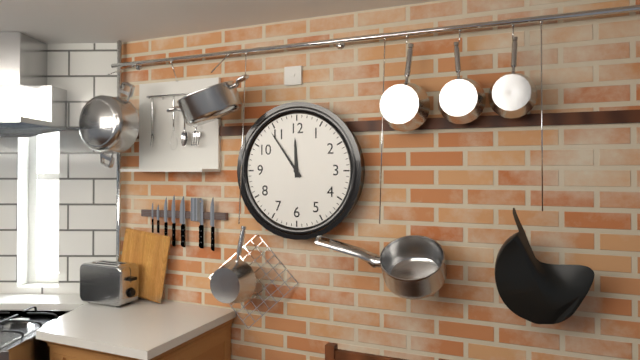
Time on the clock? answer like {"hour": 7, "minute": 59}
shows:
{"hour": 11, "minute": 54}
